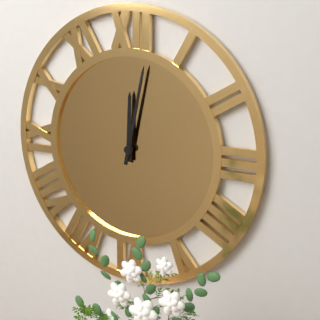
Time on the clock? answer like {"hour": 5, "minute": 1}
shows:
{"hour": 12, "minute": 2}
